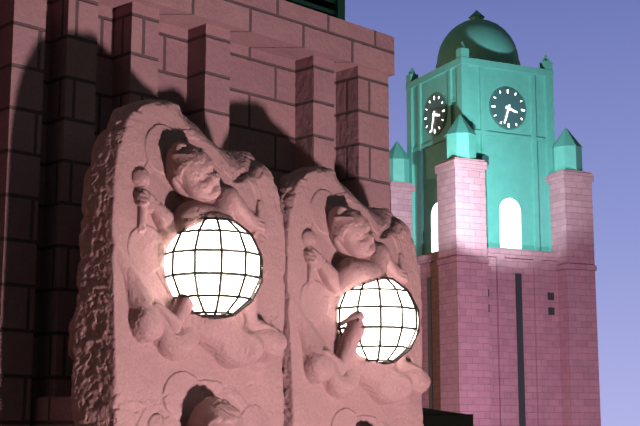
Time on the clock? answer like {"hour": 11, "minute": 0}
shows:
{"hour": 3, "minute": 33}
